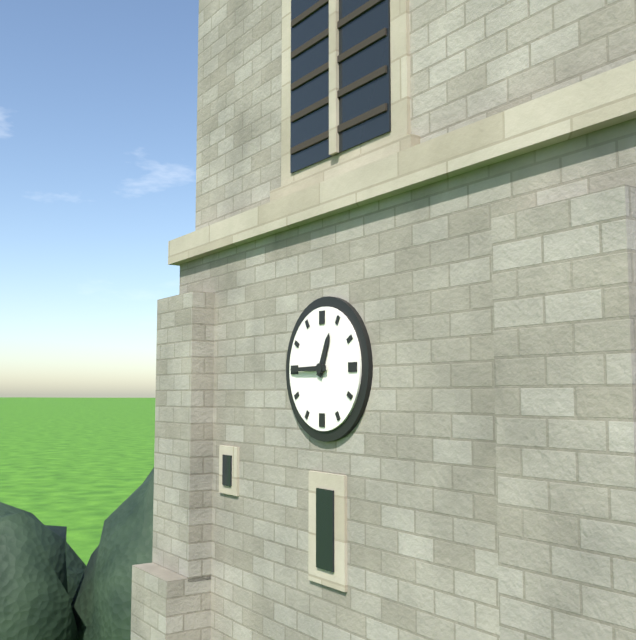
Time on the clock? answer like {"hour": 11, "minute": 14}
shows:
{"hour": 12, "minute": 45}
